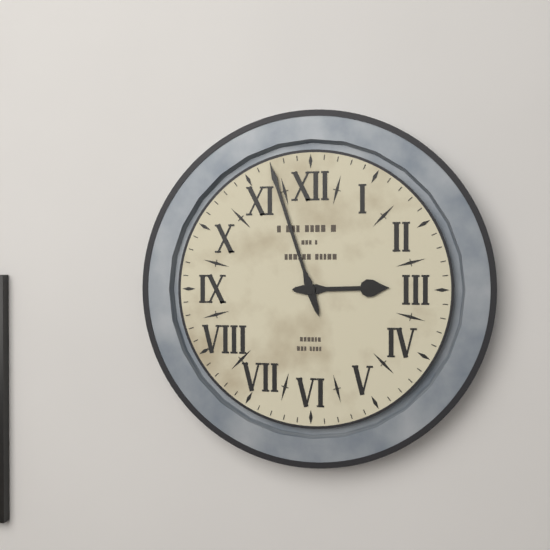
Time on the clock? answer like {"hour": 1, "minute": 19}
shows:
{"hour": 2, "minute": 57}
